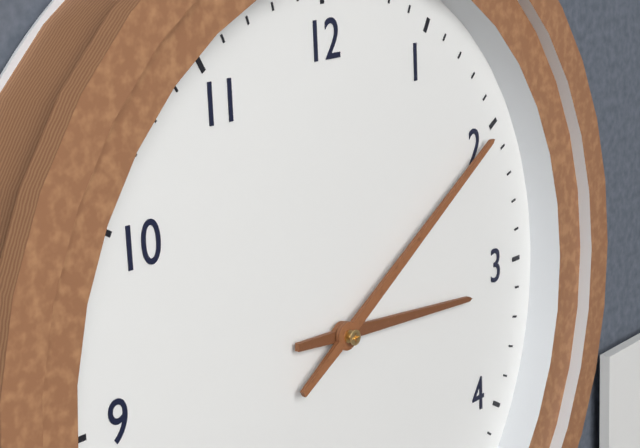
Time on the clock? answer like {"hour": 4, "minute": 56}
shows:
{"hour": 3, "minute": 10}
